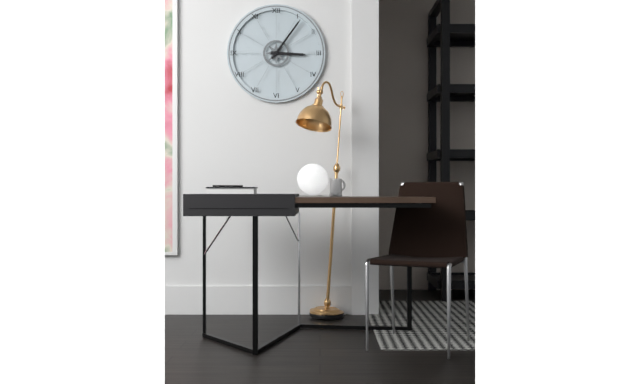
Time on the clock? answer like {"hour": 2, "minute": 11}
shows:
{"hour": 3, "minute": 6}
